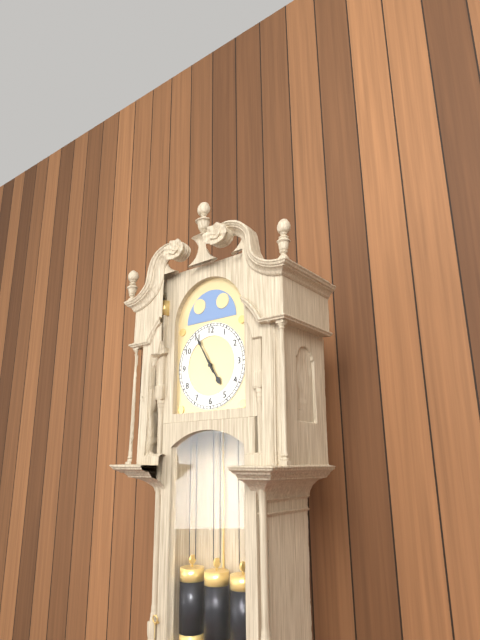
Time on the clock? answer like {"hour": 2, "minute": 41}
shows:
{"hour": 4, "minute": 55}
